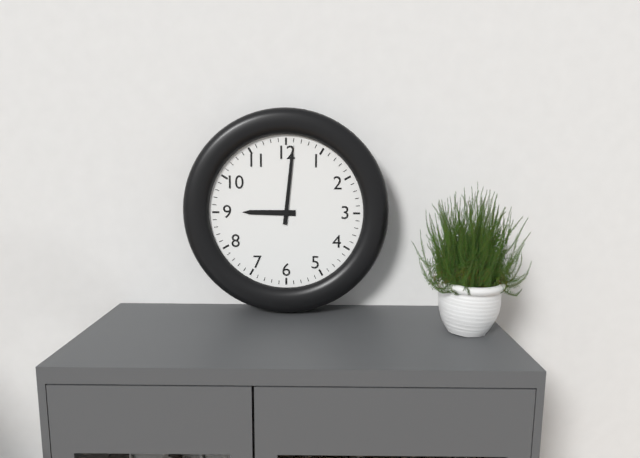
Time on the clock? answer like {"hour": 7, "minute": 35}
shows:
{"hour": 9, "minute": 1}
